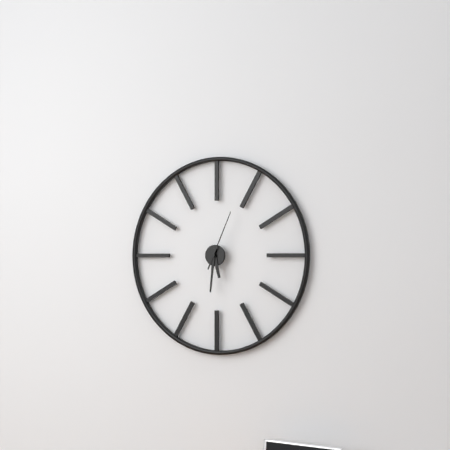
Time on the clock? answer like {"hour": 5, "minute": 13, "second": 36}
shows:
{"hour": 5, "minute": 31, "second": 4}
